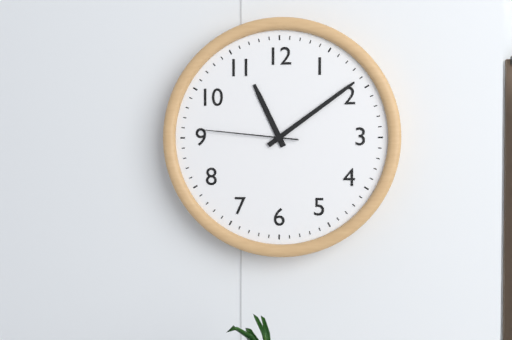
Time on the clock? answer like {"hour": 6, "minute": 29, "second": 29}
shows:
{"hour": 11, "minute": 9, "second": 46}
